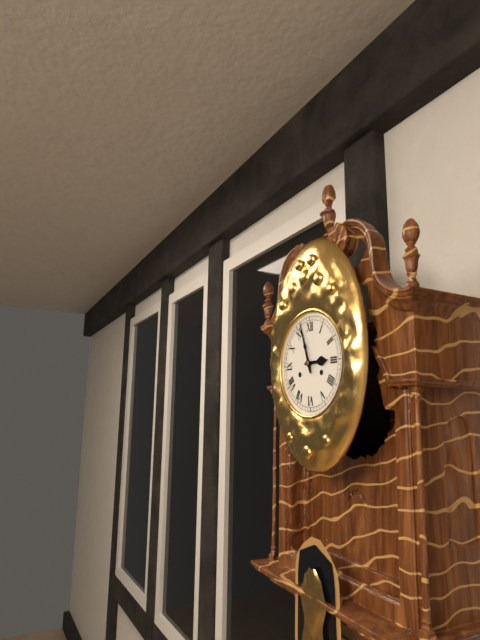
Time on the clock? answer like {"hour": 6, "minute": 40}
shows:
{"hour": 2, "minute": 57}
